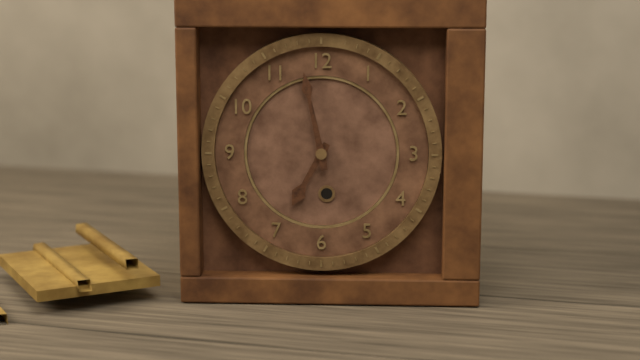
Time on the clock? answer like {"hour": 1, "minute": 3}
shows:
{"hour": 6, "minute": 58}
